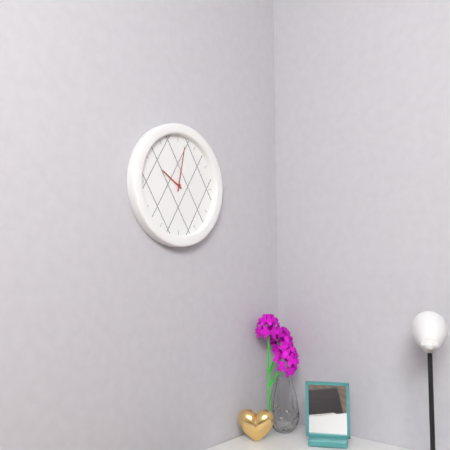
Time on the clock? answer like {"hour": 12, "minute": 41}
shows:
{"hour": 10, "minute": 2}
